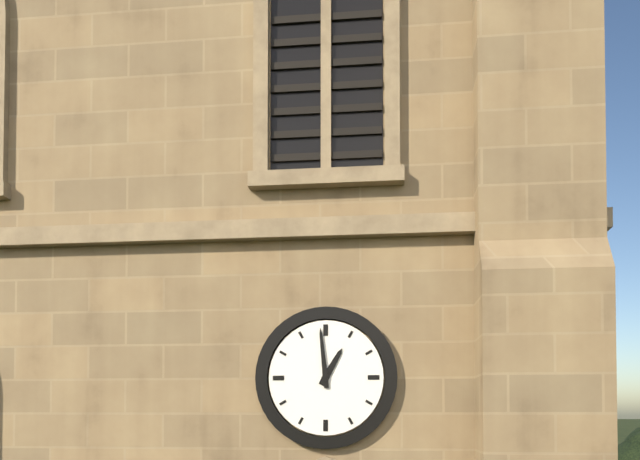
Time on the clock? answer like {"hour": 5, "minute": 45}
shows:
{"hour": 12, "minute": 59}
